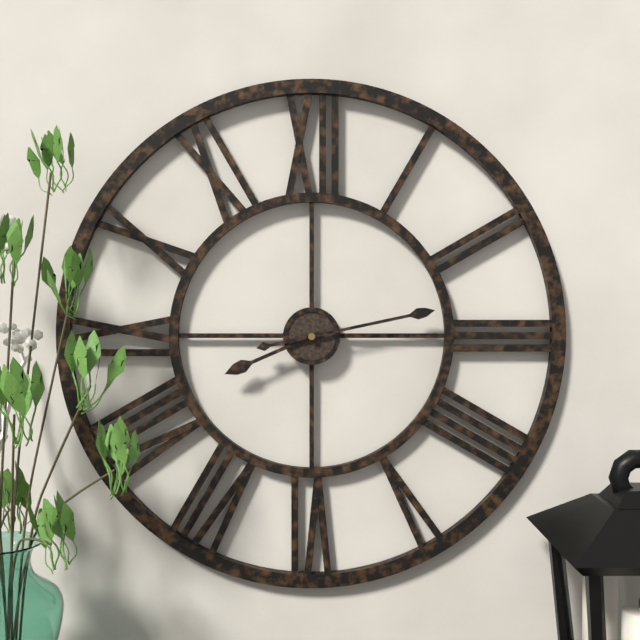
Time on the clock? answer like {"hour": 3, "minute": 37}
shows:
{"hour": 8, "minute": 13}
